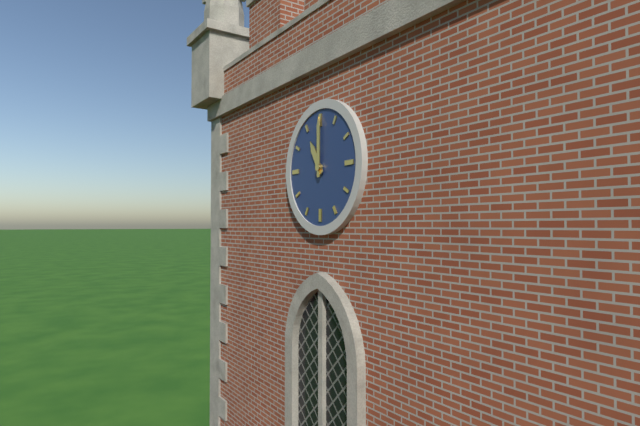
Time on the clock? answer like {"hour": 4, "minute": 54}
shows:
{"hour": 11, "minute": 0}
